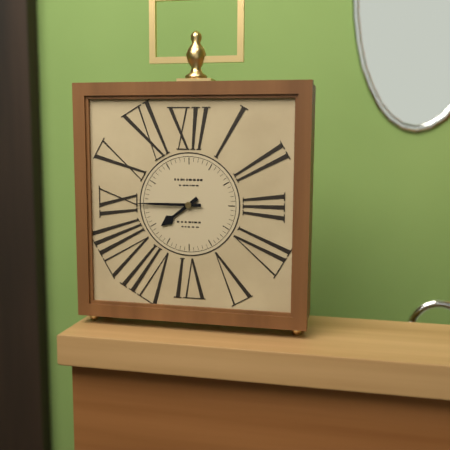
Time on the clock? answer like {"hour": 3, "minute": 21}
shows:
{"hour": 7, "minute": 45}
